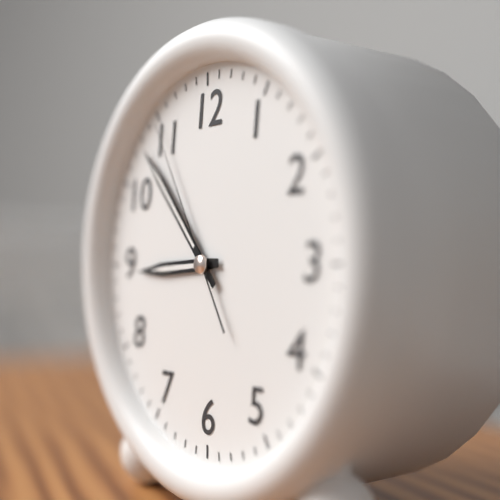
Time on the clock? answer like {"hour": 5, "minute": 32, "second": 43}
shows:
{"hour": 8, "minute": 53, "second": 55}
